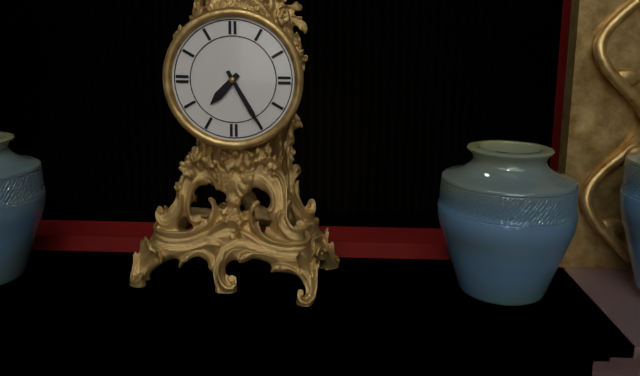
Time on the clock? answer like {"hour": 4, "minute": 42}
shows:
{"hour": 7, "minute": 25}
